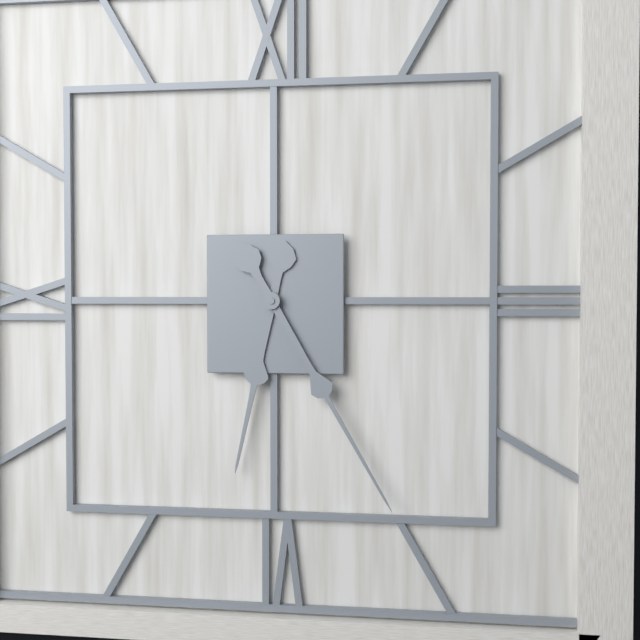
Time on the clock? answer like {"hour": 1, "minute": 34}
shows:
{"hour": 6, "minute": 25}
